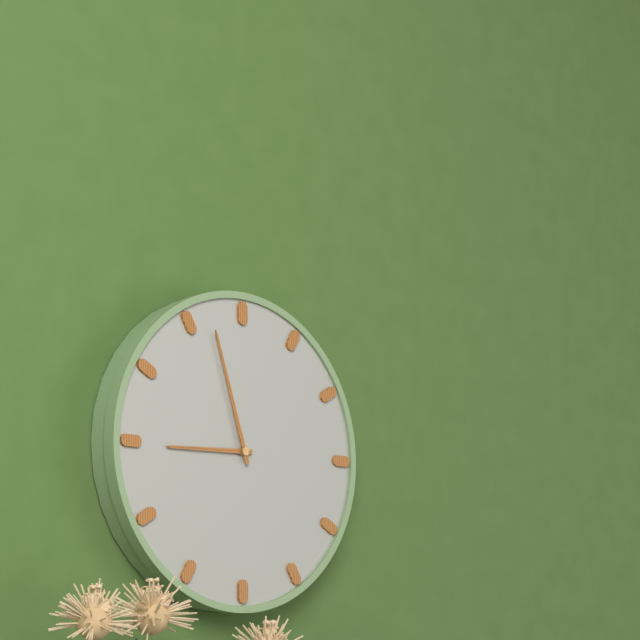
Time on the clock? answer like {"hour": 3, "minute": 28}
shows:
{"hour": 8, "minute": 57}
